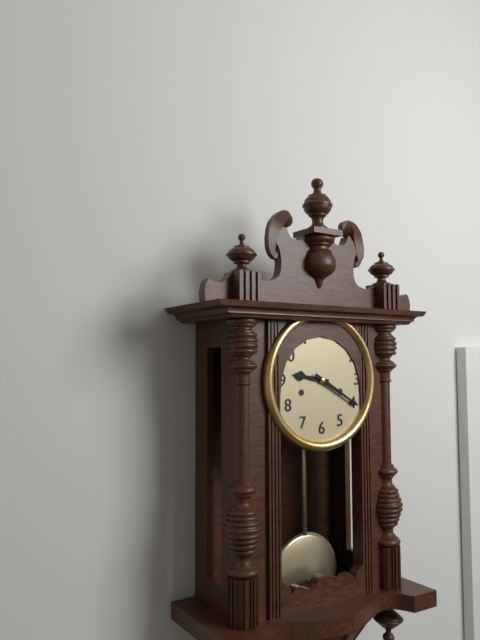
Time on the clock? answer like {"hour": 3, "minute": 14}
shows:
{"hour": 9, "minute": 20}
